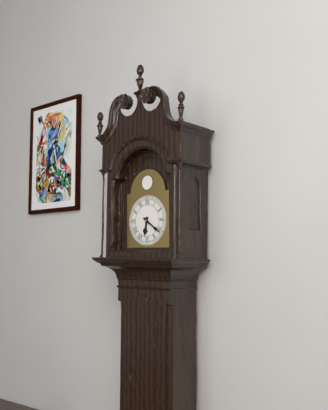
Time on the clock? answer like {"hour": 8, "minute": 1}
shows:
{"hour": 6, "minute": 21}
